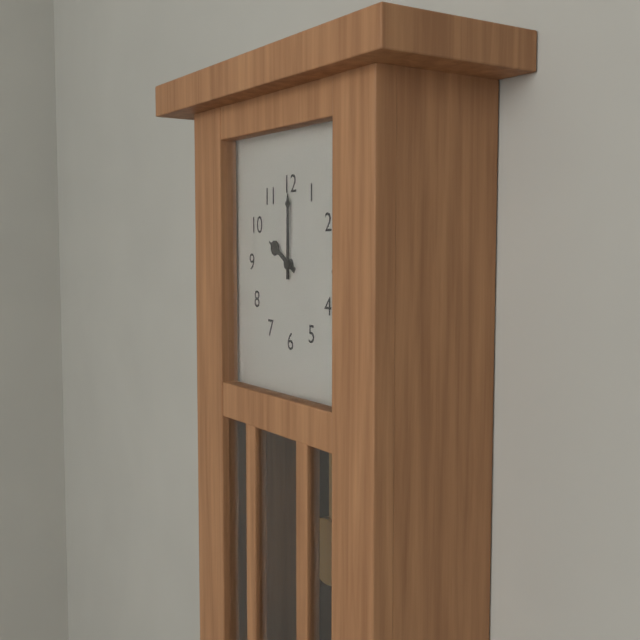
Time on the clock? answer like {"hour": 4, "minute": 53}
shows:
{"hour": 10, "minute": 0}
